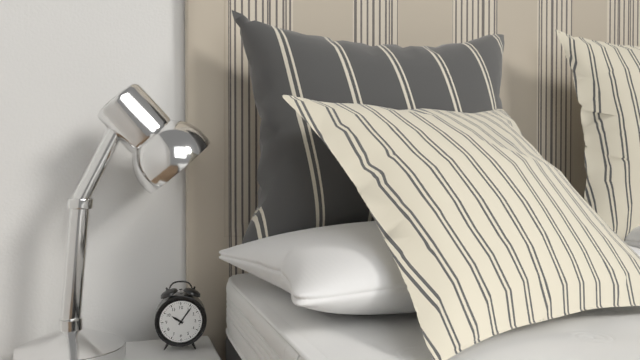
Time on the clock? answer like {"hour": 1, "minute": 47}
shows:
{"hour": 10, "minute": 6}
